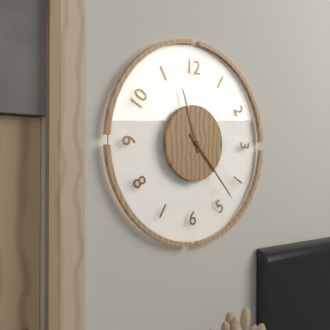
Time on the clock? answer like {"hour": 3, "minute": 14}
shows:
{"hour": 11, "minute": 23}
